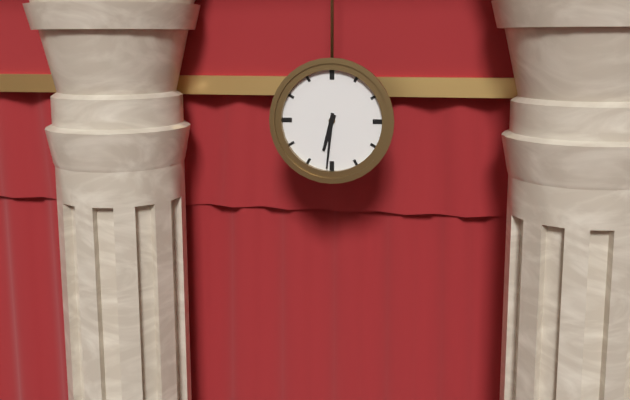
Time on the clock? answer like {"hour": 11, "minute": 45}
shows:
{"hour": 6, "minute": 31}
